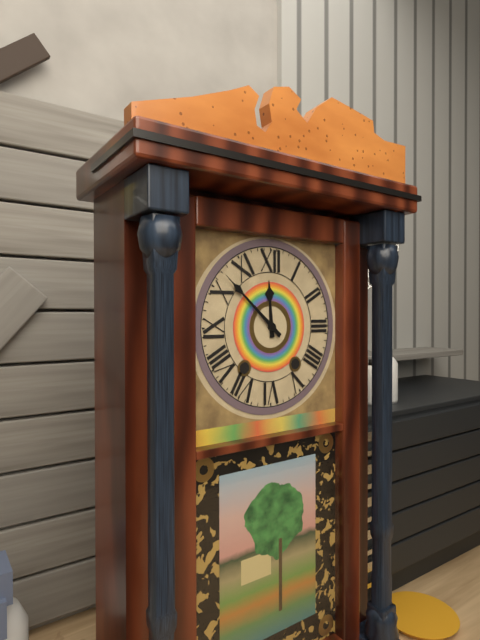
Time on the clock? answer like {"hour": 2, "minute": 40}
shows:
{"hour": 11, "minute": 52}
